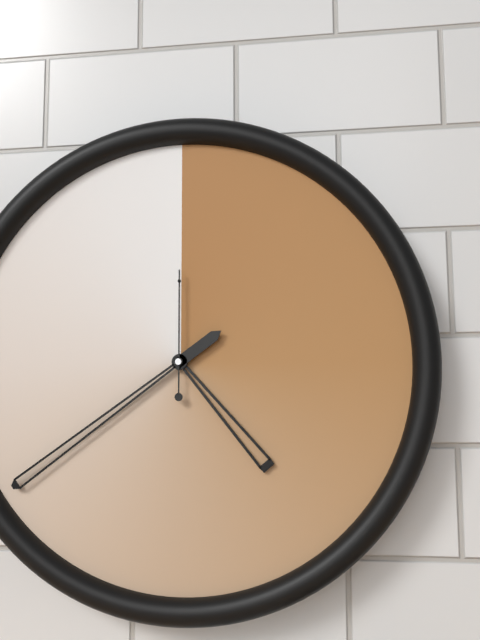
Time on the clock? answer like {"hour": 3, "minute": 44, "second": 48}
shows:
{"hour": 4, "minute": 39, "second": 0}
